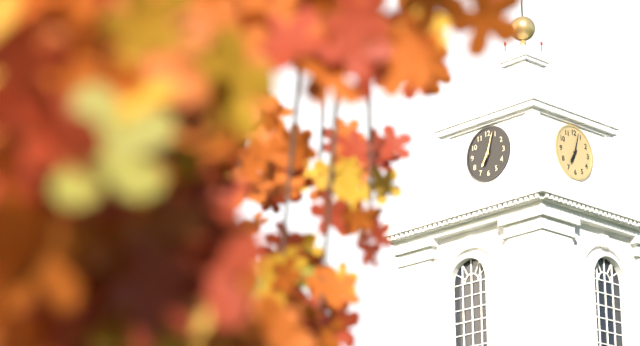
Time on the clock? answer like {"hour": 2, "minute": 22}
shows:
{"hour": 7, "minute": 3}
